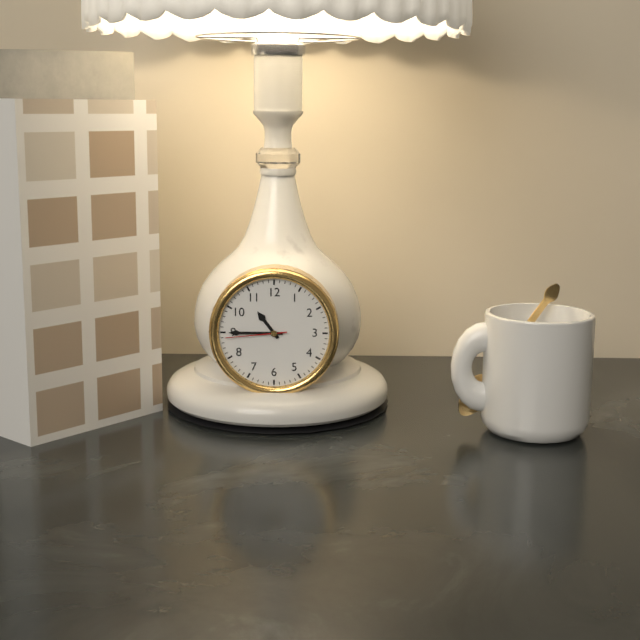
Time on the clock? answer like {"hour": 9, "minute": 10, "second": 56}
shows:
{"hour": 10, "minute": 45, "second": 44}
